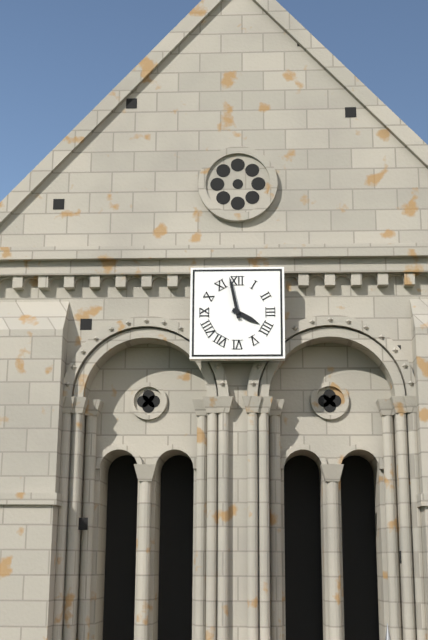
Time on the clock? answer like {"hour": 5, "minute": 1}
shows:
{"hour": 3, "minute": 58}
